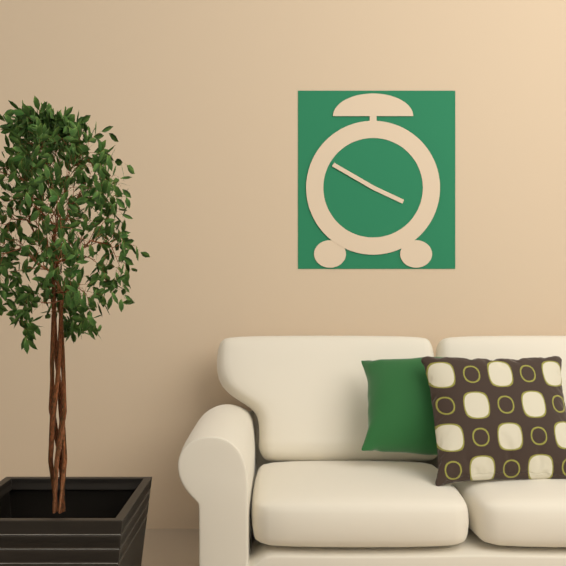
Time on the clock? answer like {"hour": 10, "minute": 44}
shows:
{"hour": 3, "minute": 50}
